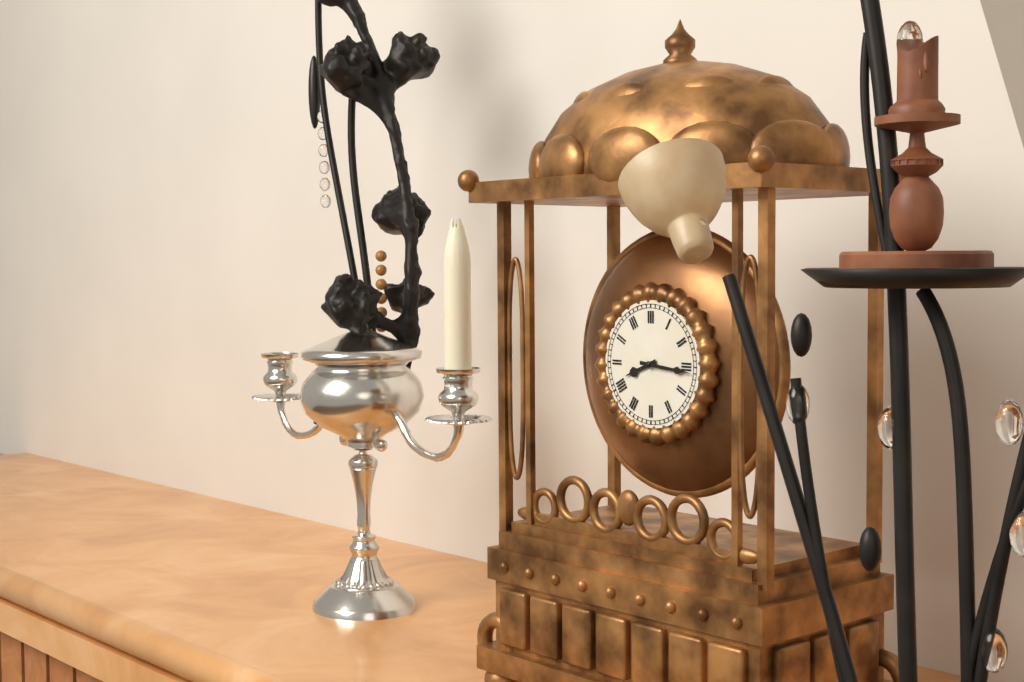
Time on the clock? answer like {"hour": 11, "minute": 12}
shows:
{"hour": 8, "minute": 16}
